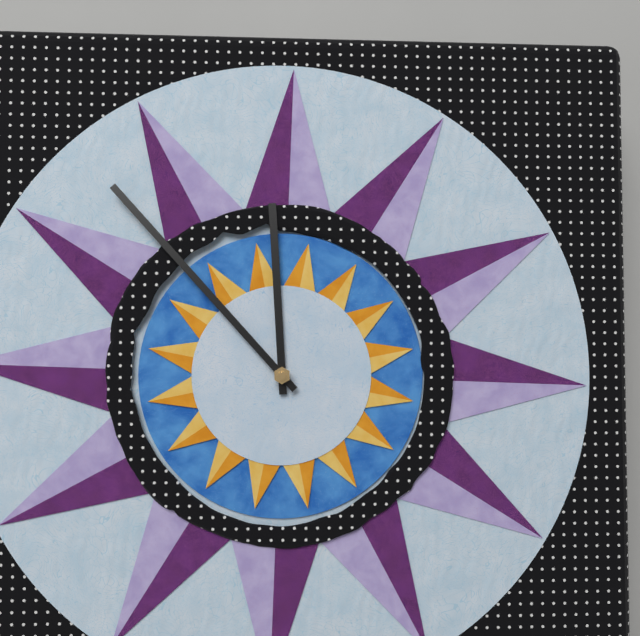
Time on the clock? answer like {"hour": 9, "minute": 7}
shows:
{"hour": 11, "minute": 53}
